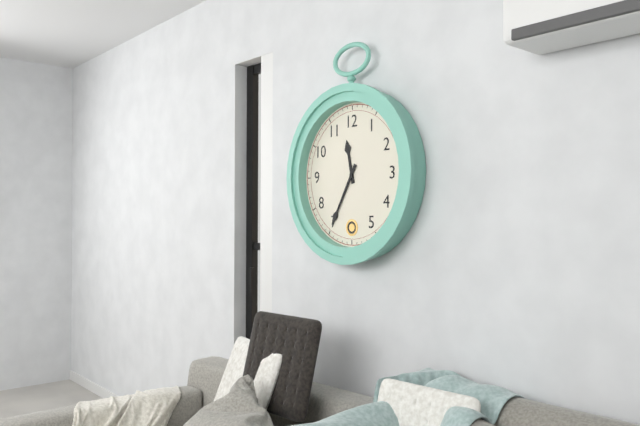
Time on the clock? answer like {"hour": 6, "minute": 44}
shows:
{"hour": 11, "minute": 35}
